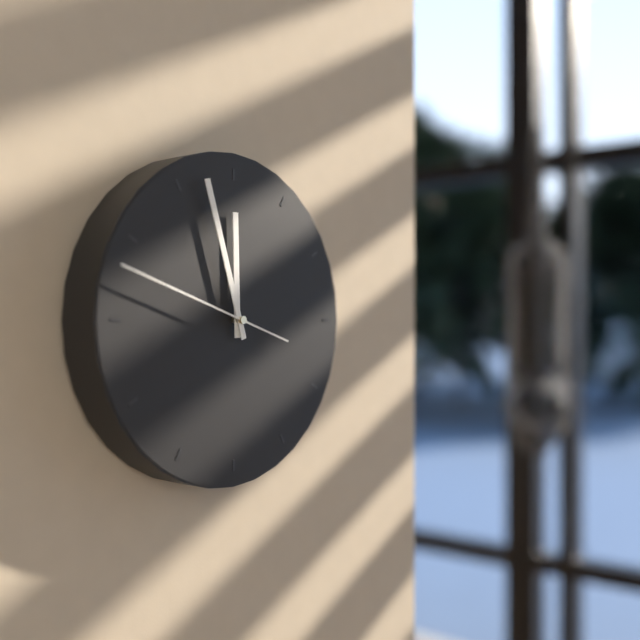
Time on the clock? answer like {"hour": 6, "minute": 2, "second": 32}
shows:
{"hour": 11, "minute": 57, "second": 48}
